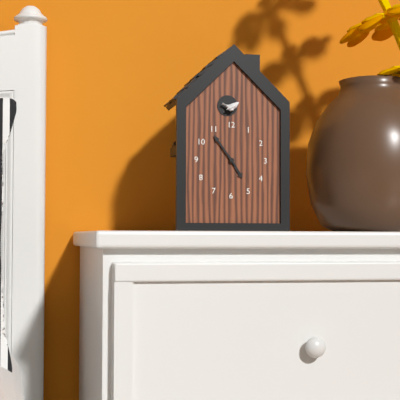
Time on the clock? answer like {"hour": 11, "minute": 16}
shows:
{"hour": 4, "minute": 54}
